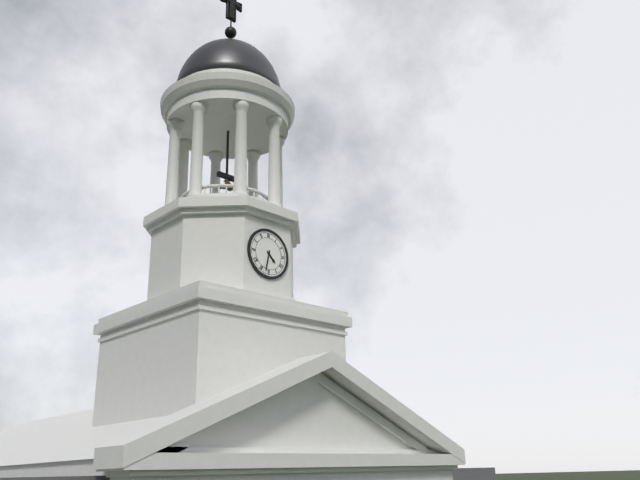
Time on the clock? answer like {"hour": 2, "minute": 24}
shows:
{"hour": 4, "minute": 32}
